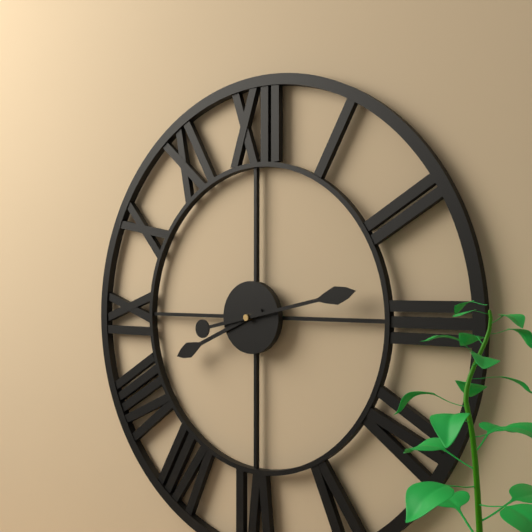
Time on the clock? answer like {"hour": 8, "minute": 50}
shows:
{"hour": 8, "minute": 13}
